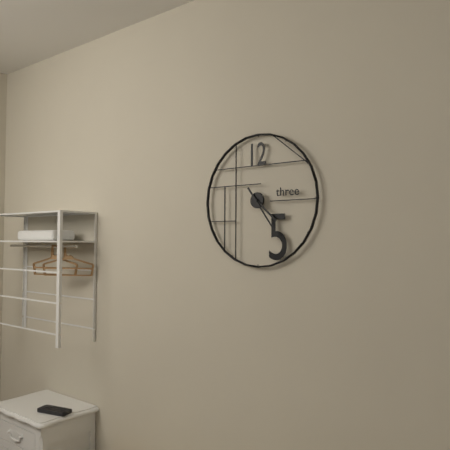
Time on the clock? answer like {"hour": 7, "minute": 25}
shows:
{"hour": 4, "minute": 24}
